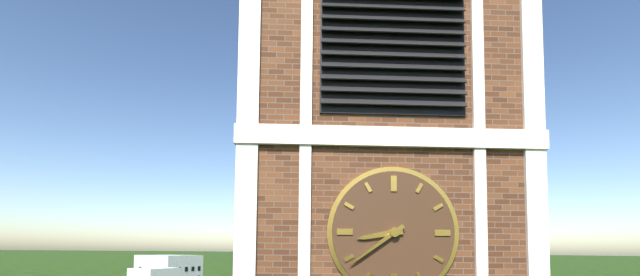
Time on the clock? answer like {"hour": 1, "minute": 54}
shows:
{"hour": 8, "minute": 39}
